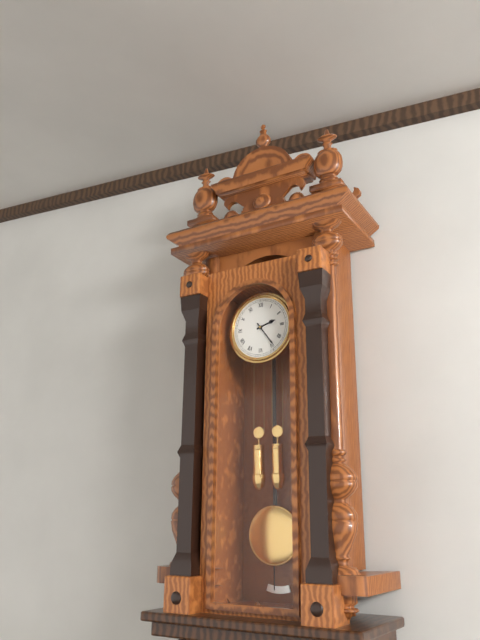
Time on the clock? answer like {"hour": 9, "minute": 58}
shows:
{"hour": 2, "minute": 24}
